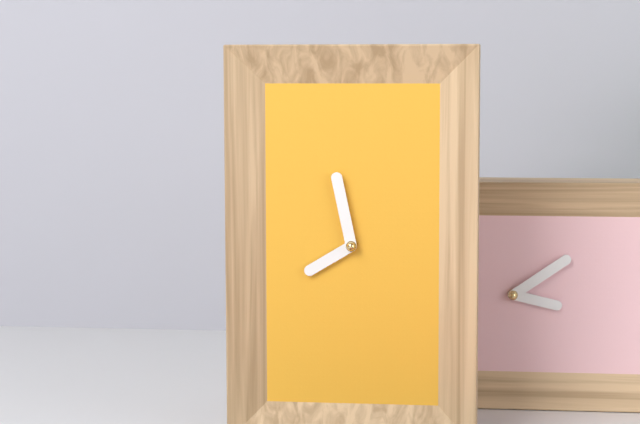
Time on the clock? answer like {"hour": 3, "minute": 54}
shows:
{"hour": 7, "minute": 58}
